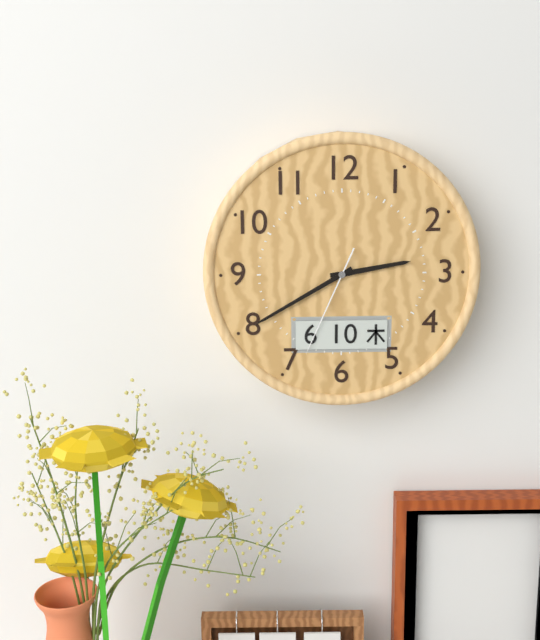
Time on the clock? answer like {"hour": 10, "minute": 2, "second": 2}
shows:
{"hour": 2, "minute": 40, "second": 34}
